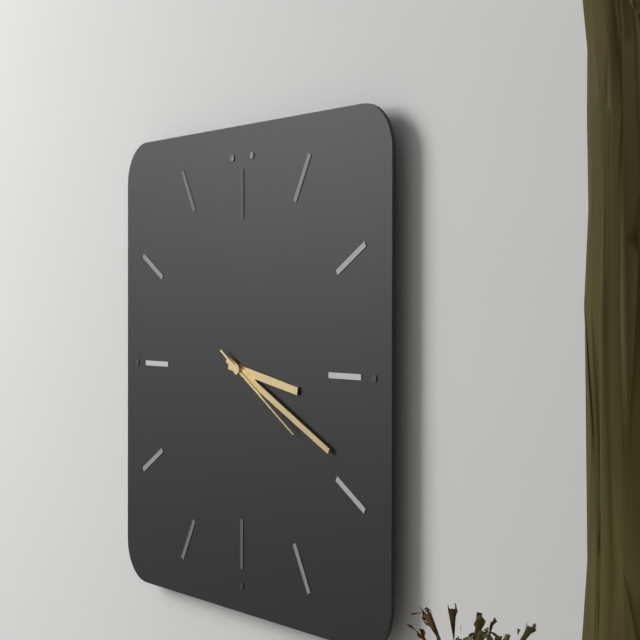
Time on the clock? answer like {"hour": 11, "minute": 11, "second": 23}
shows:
{"hour": 3, "minute": 19, "second": 20}
